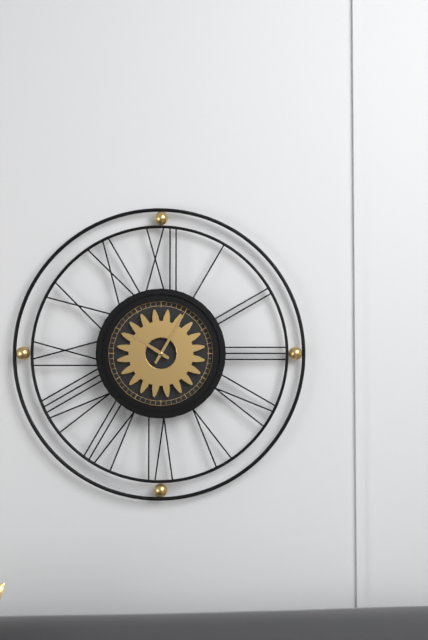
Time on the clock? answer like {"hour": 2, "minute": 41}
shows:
{"hour": 10, "minute": 5}
